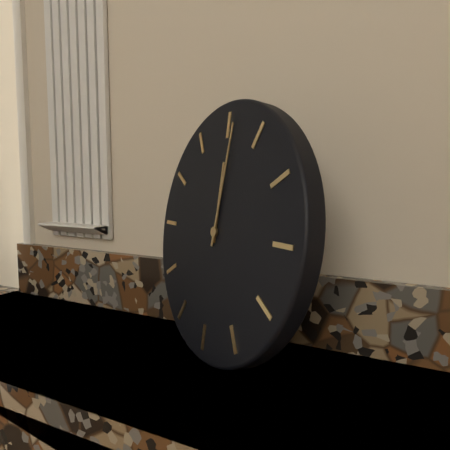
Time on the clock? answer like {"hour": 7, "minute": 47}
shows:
{"hour": 12, "minute": 1}
